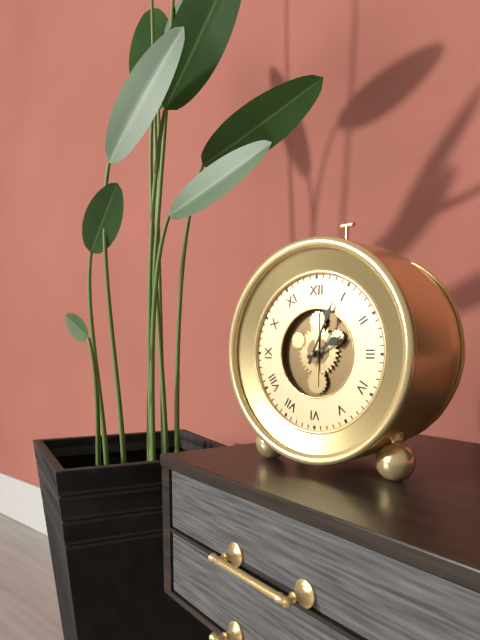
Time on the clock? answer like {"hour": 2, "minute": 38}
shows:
{"hour": 2, "minute": 4}
